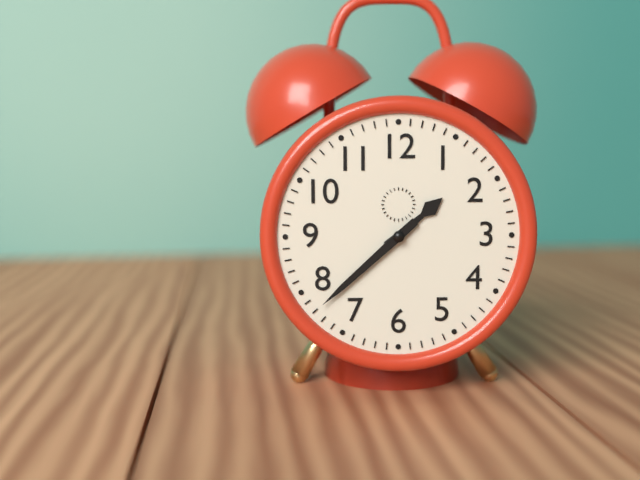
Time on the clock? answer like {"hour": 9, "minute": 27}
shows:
{"hour": 1, "minute": 38}
